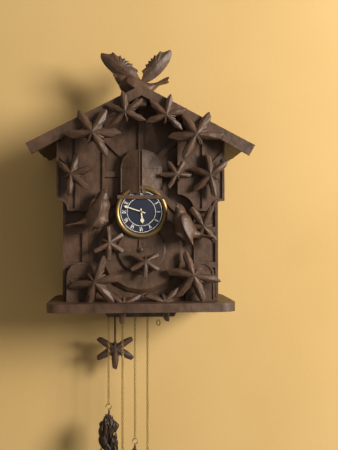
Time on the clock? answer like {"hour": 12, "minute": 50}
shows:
{"hour": 5, "minute": 48}
